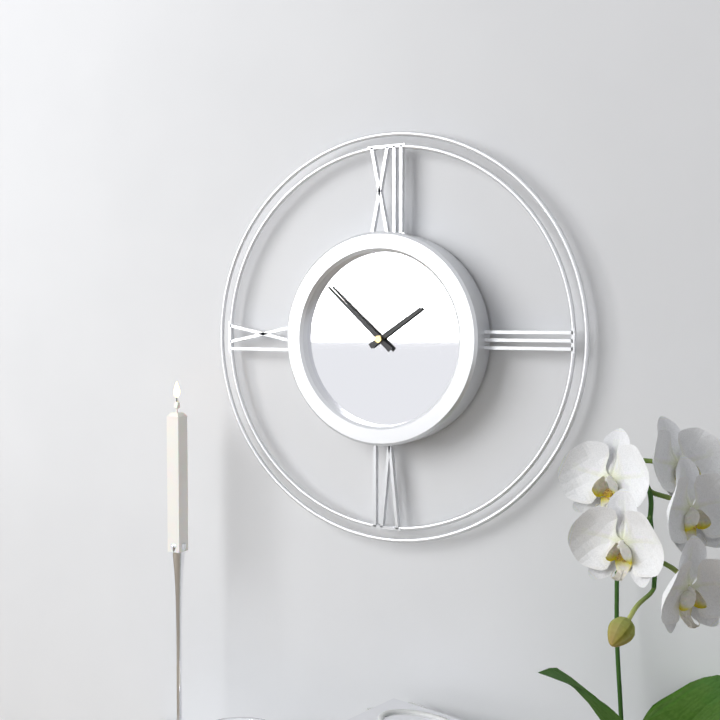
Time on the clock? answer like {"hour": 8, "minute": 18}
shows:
{"hour": 1, "minute": 52}
